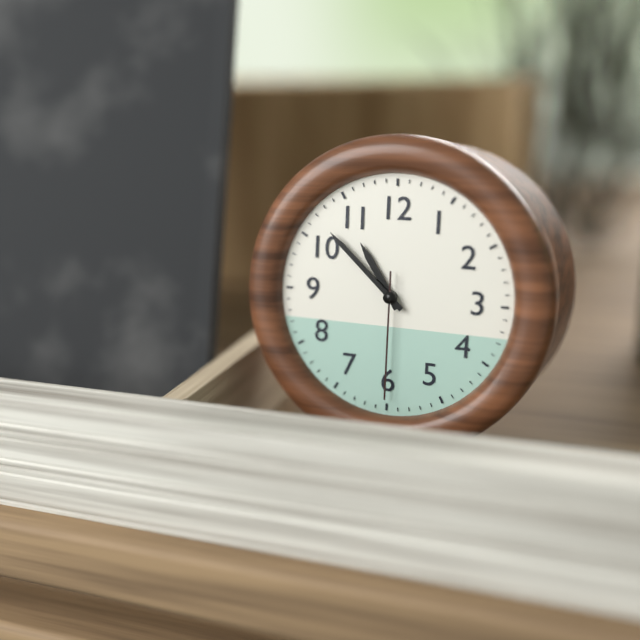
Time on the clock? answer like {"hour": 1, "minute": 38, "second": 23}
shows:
{"hour": 10, "minute": 52, "second": 30}
